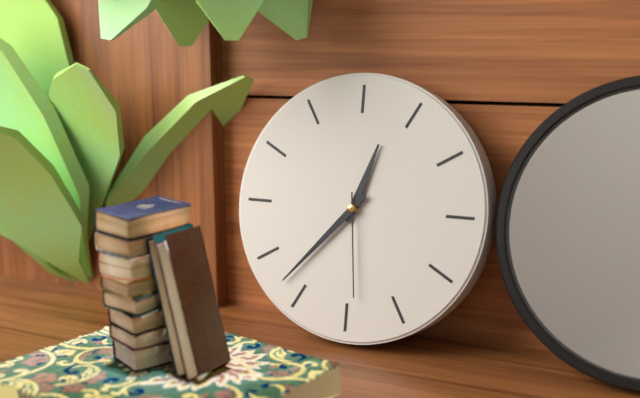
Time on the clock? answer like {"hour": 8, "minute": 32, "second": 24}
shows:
{"hour": 12, "minute": 37, "second": 29}
